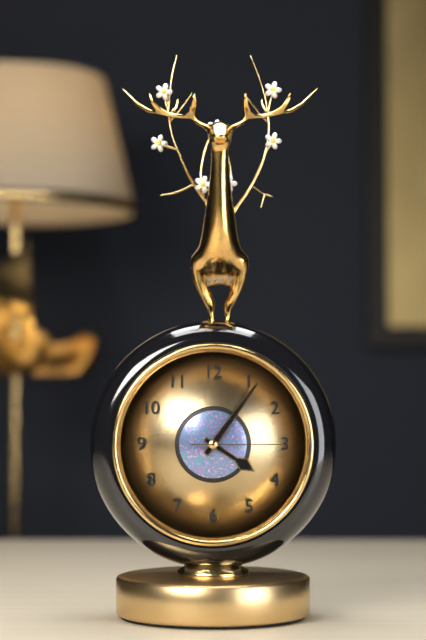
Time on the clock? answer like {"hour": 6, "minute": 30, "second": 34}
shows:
{"hour": 4, "minute": 6, "second": 15}
